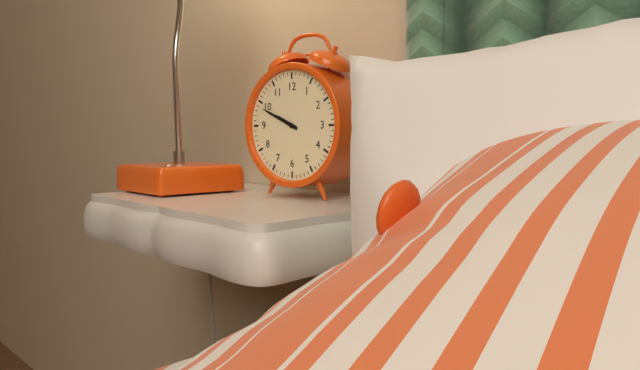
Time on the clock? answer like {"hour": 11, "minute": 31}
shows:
{"hour": 9, "minute": 49}
